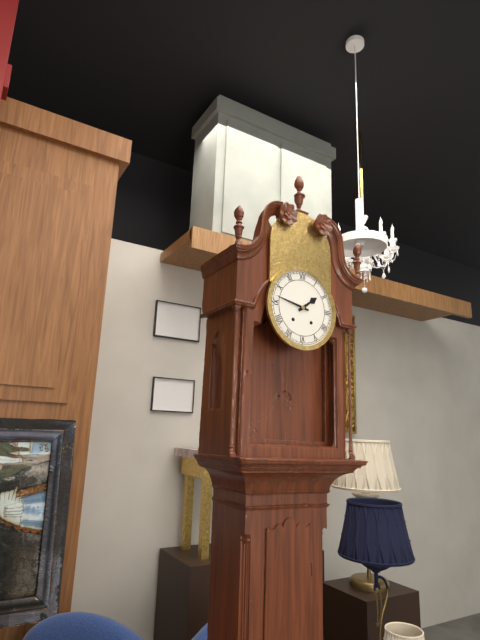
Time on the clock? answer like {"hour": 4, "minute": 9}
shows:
{"hour": 1, "minute": 47}
